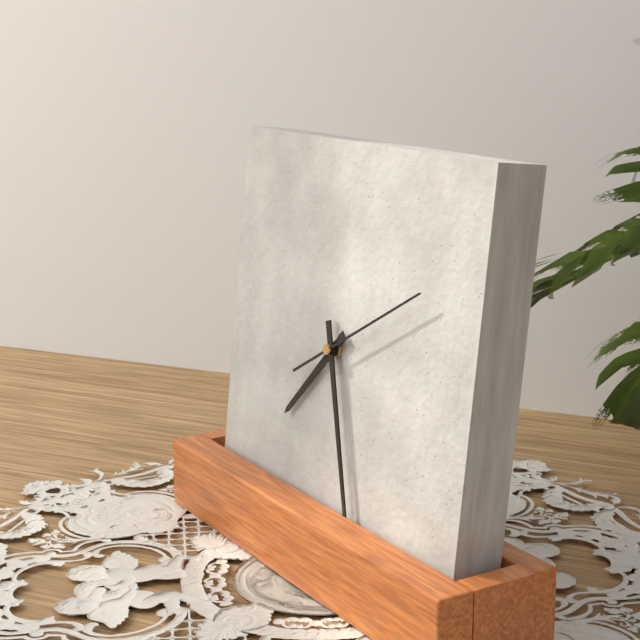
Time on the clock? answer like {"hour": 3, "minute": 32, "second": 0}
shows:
{"hour": 7, "minute": 27, "second": 10}
